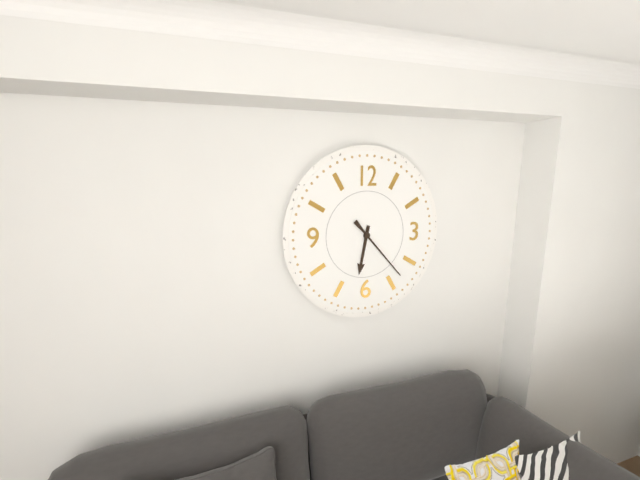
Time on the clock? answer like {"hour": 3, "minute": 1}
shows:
{"hour": 6, "minute": 23}
